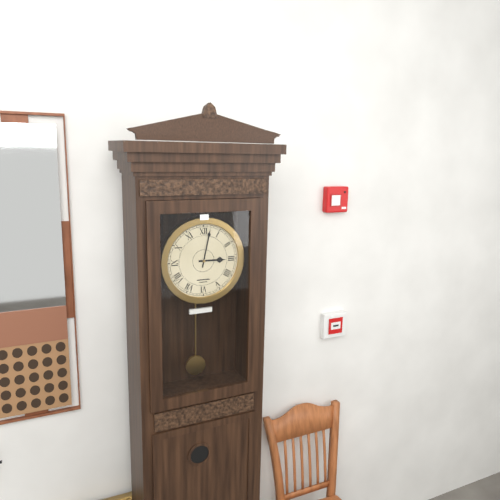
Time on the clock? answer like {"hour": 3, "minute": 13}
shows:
{"hour": 3, "minute": 2}
